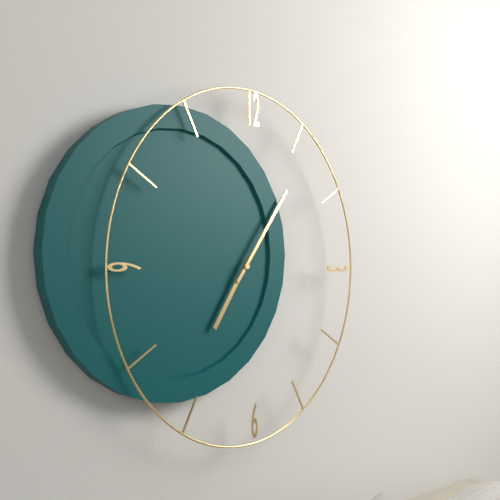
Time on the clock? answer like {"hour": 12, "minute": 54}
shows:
{"hour": 7, "minute": 6}
